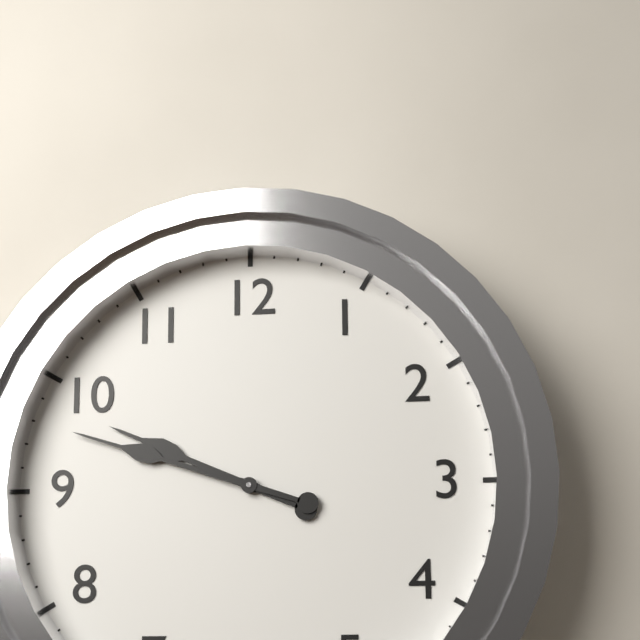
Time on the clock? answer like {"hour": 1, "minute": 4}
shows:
{"hour": 9, "minute": 48}
